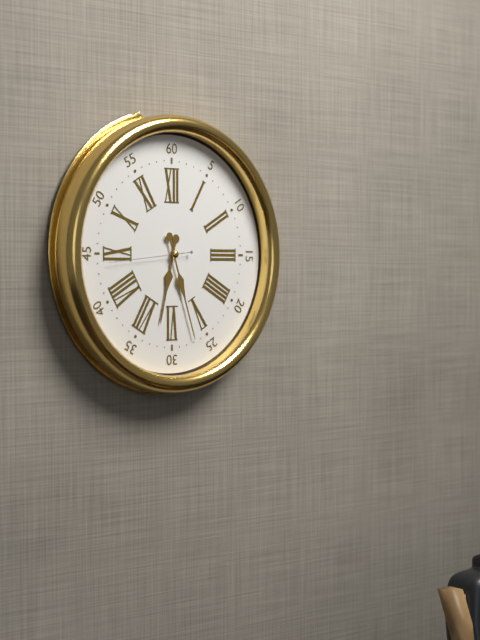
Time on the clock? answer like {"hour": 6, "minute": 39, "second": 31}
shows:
{"hour": 6, "minute": 27, "second": 44}
